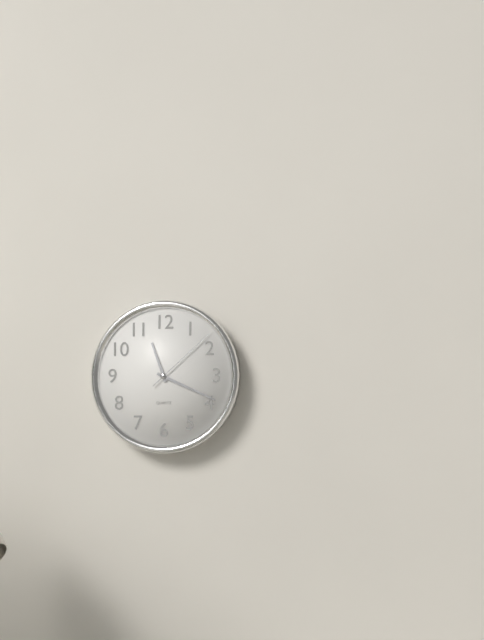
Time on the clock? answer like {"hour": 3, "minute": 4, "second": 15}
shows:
{"hour": 11, "minute": 19, "second": 8}
